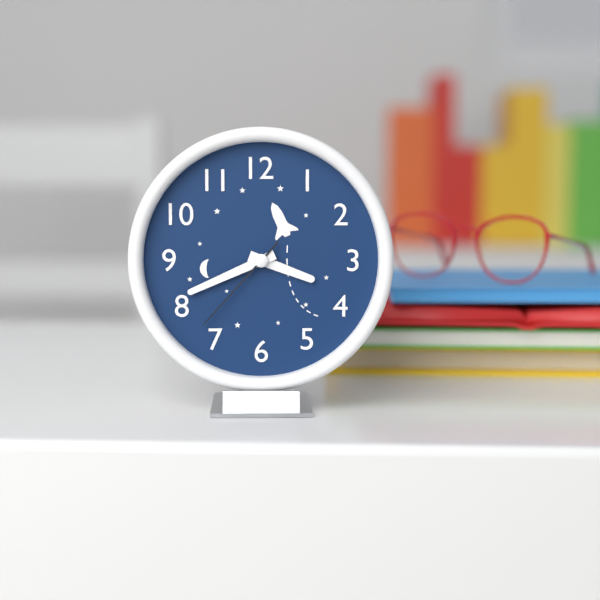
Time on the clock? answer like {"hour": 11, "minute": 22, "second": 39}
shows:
{"hour": 3, "minute": 41, "second": 37}
